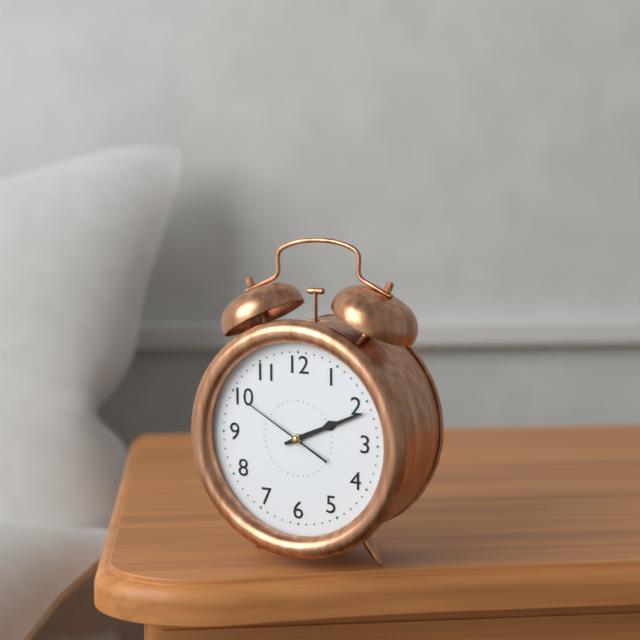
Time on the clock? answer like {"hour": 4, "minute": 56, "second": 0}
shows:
{"hour": 2, "minute": 11, "second": 50}
